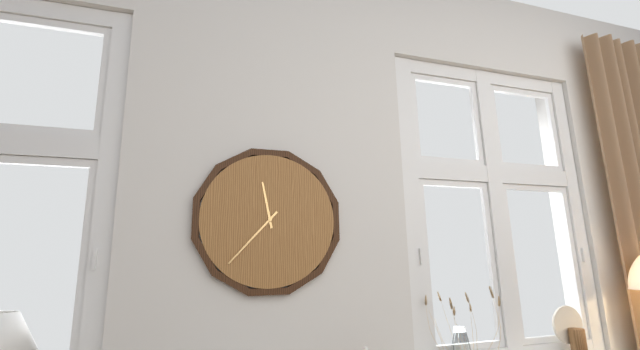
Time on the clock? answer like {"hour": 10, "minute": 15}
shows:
{"hour": 11, "minute": 37}
